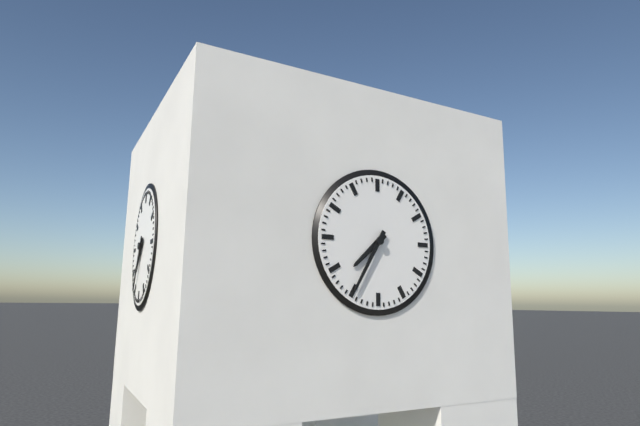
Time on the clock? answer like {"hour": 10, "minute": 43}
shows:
{"hour": 7, "minute": 35}
